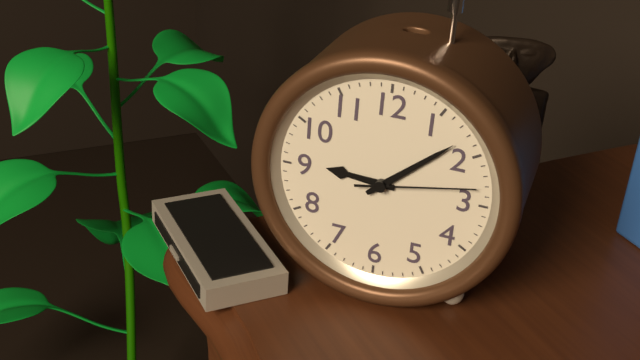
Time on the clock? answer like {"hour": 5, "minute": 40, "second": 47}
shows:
{"hour": 9, "minute": 8, "second": 13}
